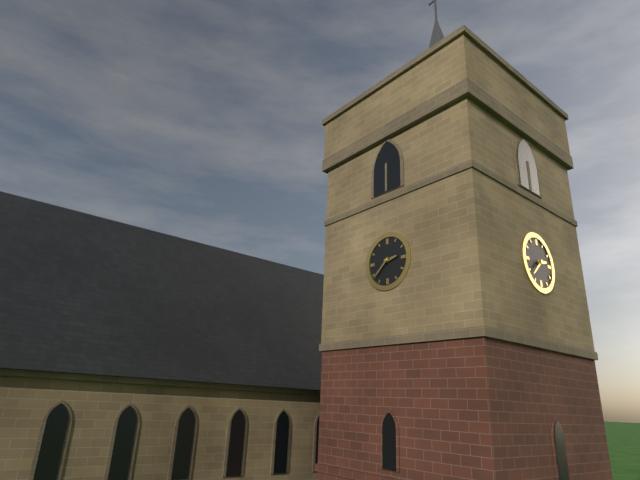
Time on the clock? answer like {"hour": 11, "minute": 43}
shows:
{"hour": 2, "minute": 38}
